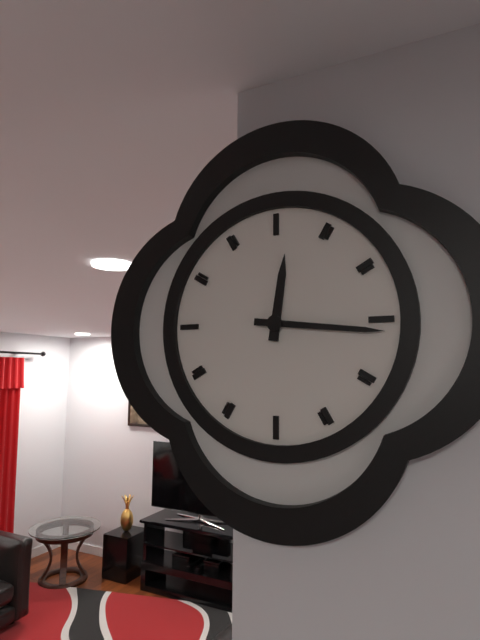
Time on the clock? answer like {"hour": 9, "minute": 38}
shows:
{"hour": 12, "minute": 16}
